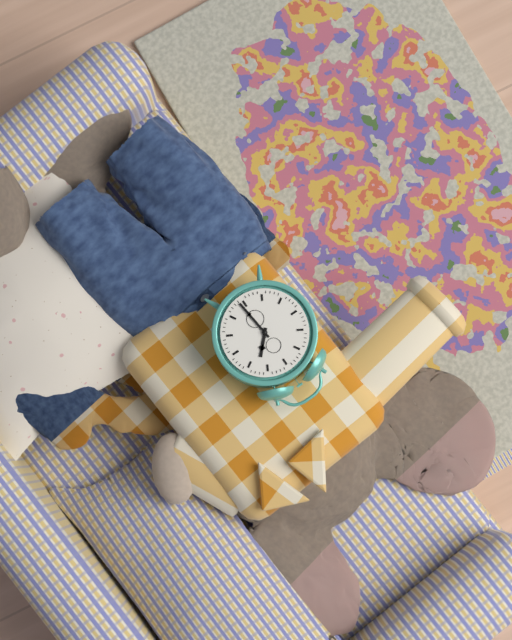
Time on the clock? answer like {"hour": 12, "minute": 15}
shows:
{"hour": 1, "minute": 29}
